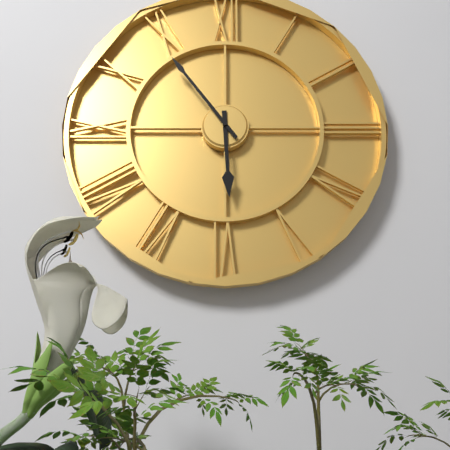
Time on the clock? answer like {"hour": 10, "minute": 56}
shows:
{"hour": 5, "minute": 54}
